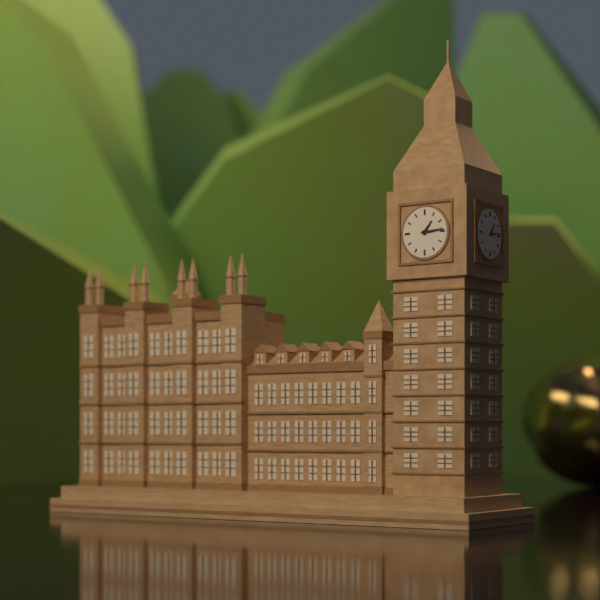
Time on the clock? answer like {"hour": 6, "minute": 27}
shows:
{"hour": 1, "minute": 14}
